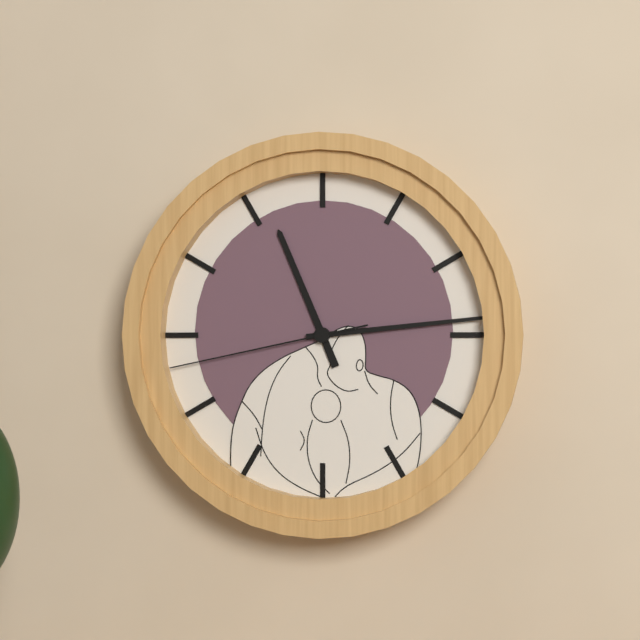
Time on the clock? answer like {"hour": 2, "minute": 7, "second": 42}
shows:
{"hour": 11, "minute": 14, "second": 43}
